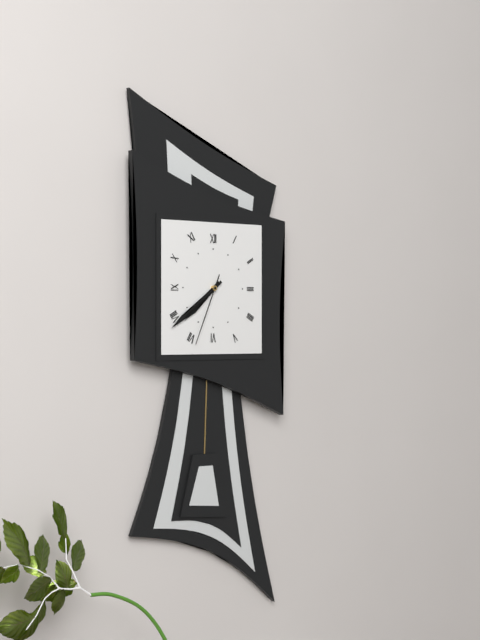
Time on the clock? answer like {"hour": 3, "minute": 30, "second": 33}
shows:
{"hour": 7, "minute": 39, "second": 34}
